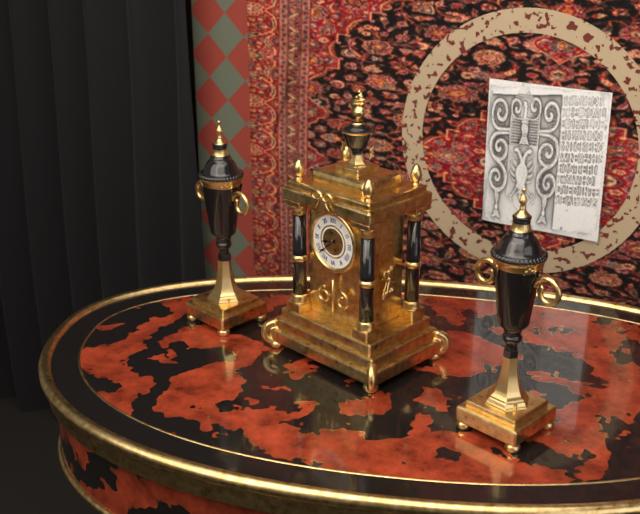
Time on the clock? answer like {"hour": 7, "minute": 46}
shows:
{"hour": 8, "minute": 38}
